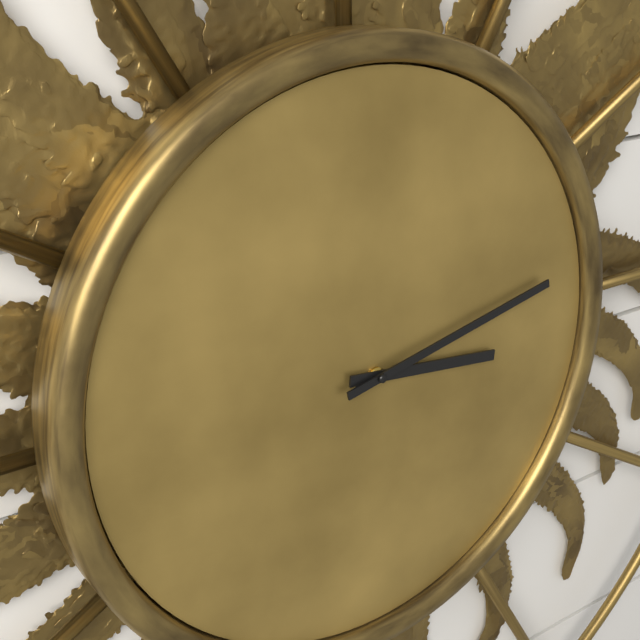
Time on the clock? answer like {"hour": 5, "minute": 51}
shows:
{"hour": 3, "minute": 13}
